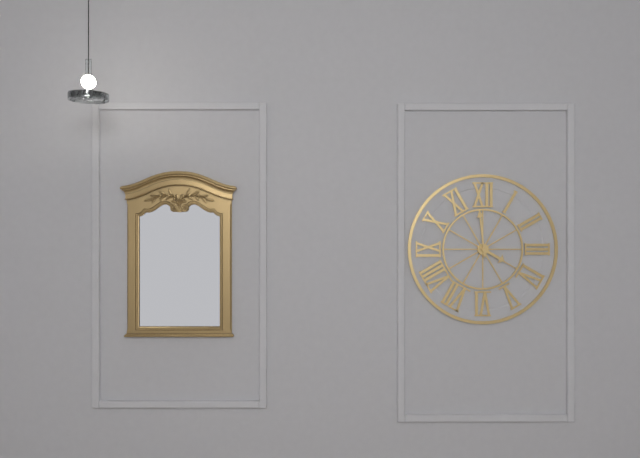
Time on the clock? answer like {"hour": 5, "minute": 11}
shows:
{"hour": 3, "minute": 59}
